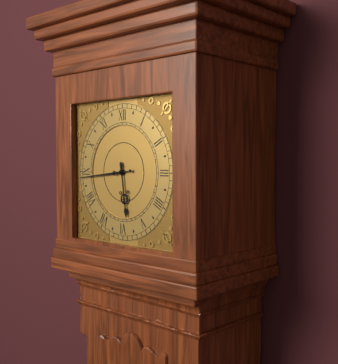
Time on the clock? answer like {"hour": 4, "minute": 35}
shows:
{"hour": 5, "minute": 44}
